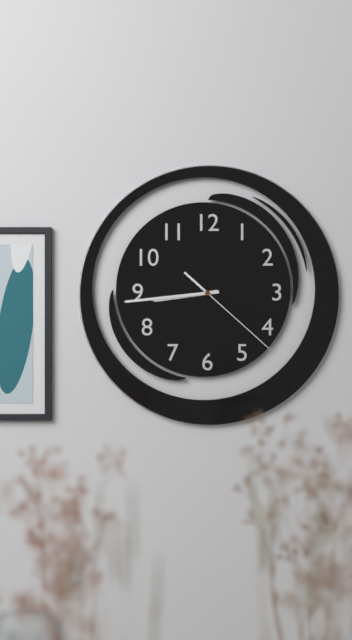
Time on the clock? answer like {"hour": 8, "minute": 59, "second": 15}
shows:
{"hour": 8, "minute": 44, "second": 22}
